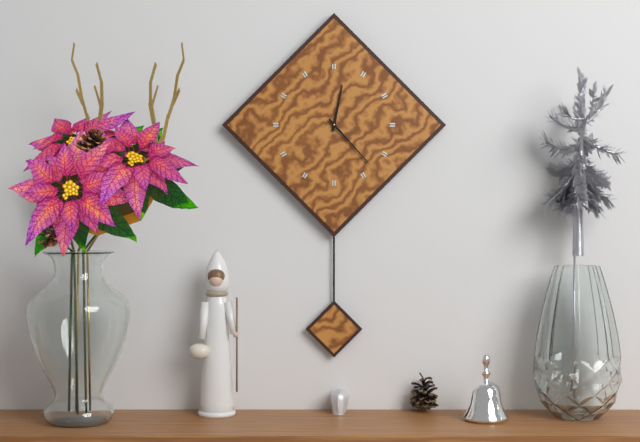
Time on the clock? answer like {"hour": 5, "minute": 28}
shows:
{"hour": 12, "minute": 23}
